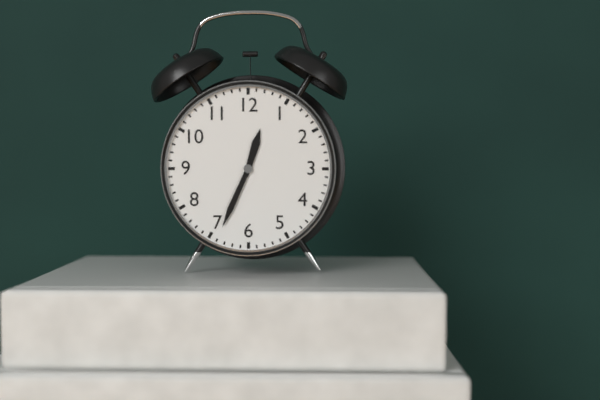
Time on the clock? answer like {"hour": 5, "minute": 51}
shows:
{"hour": 12, "minute": 34}
